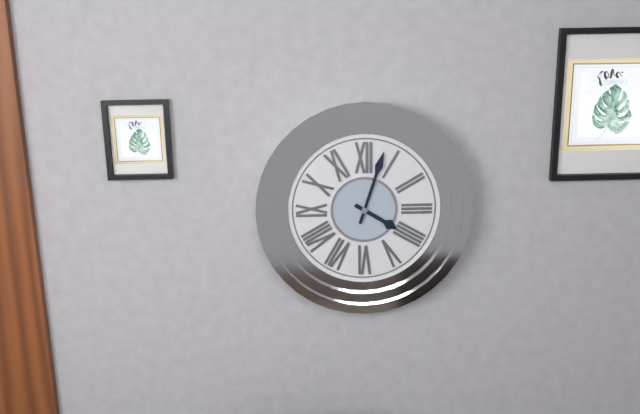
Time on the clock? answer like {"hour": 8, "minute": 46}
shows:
{"hour": 4, "minute": 3}
